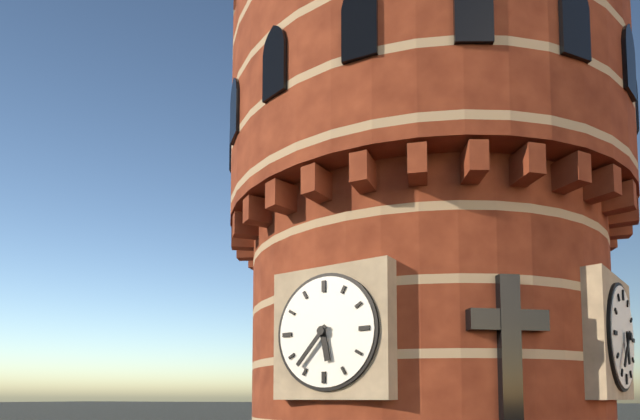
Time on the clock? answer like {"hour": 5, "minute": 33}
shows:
{"hour": 5, "minute": 37}
